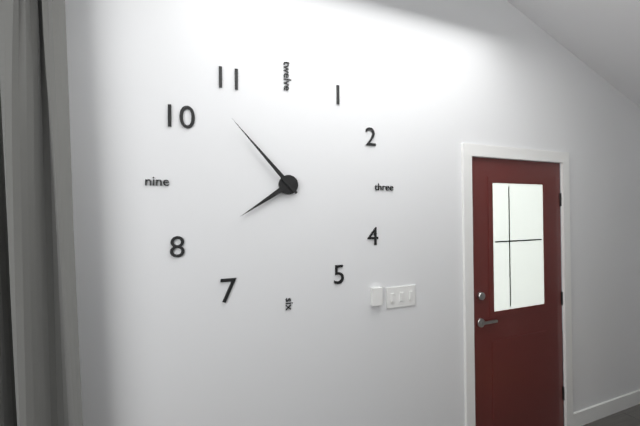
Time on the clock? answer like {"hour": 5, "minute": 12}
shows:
{"hour": 7, "minute": 53}
